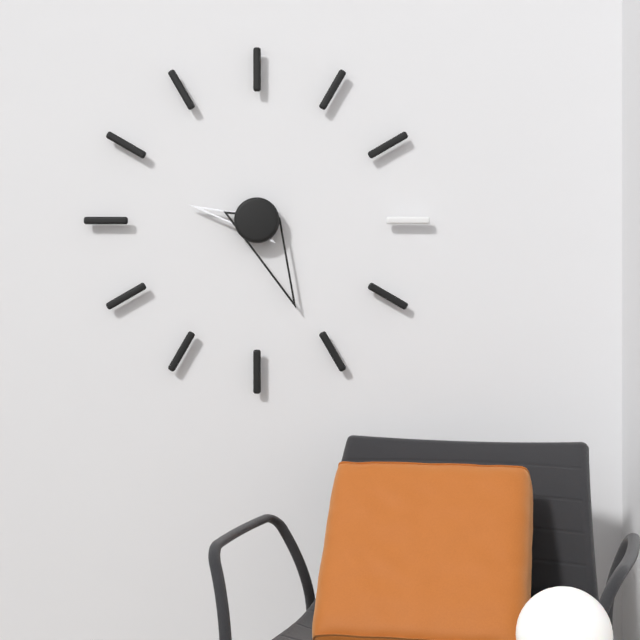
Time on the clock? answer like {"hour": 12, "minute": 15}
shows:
{"hour": 9, "minute": 26}
